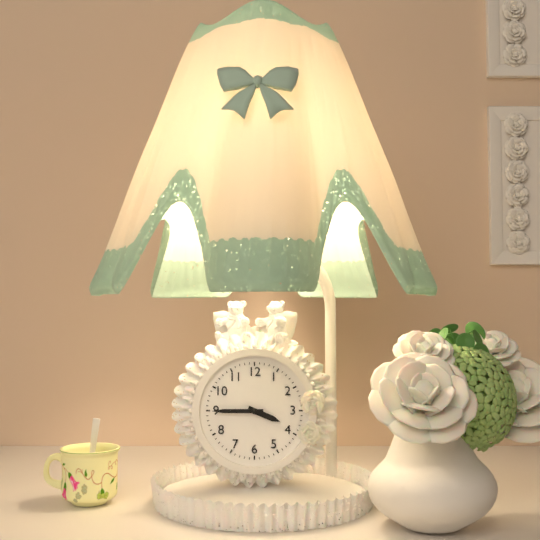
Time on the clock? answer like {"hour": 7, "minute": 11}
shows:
{"hour": 3, "minute": 45}
